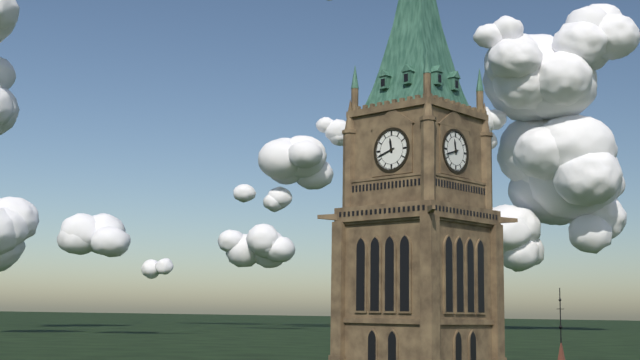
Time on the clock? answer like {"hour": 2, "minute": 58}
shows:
{"hour": 11, "minute": 42}
